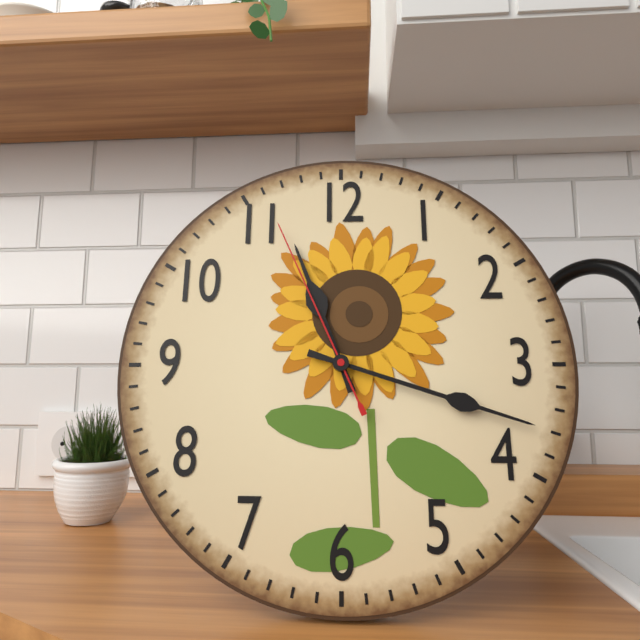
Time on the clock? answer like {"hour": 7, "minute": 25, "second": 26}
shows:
{"hour": 11, "minute": 18, "second": 56}
